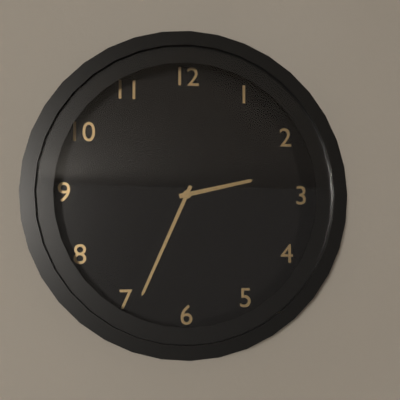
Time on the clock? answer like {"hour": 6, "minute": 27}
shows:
{"hour": 2, "minute": 34}
